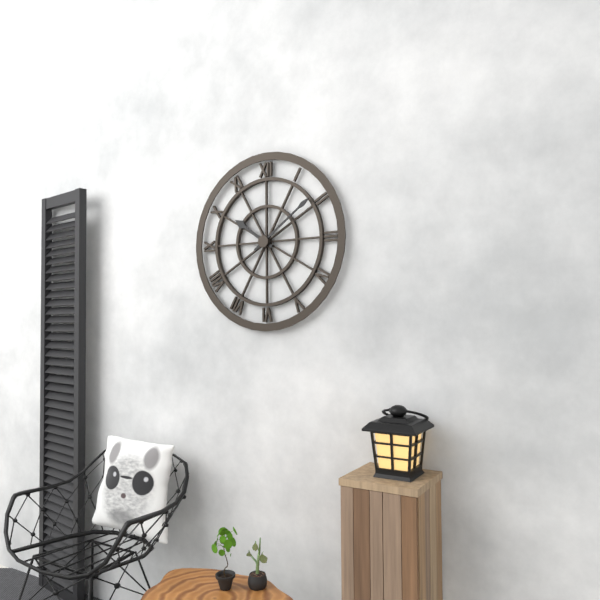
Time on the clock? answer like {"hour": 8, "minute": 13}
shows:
{"hour": 10, "minute": 9}
